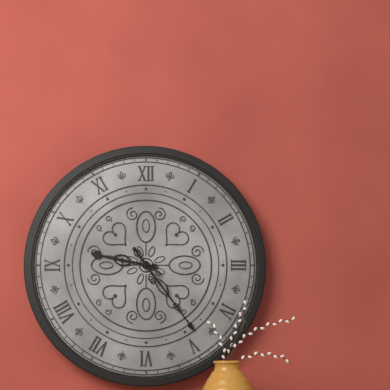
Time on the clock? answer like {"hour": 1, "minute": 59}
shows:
{"hour": 9, "minute": 24}
